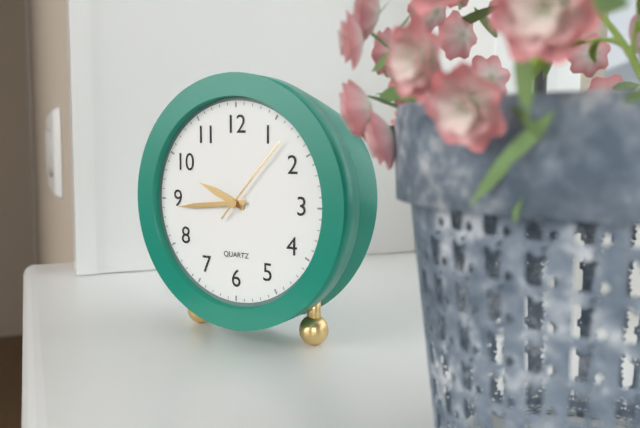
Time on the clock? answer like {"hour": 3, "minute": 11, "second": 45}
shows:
{"hour": 9, "minute": 44, "second": 7}
